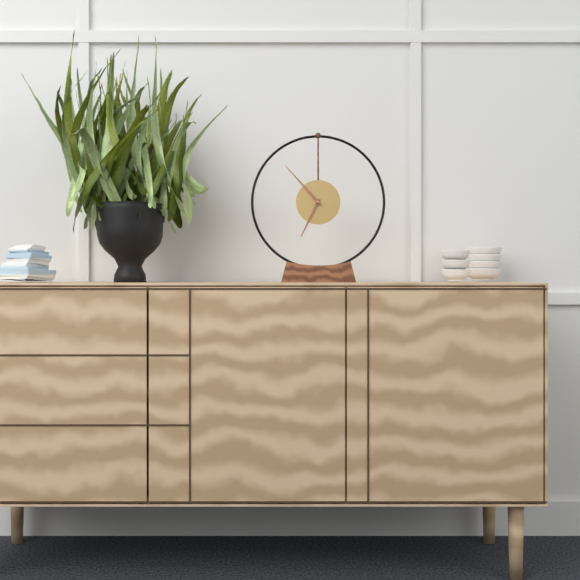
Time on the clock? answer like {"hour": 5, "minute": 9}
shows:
{"hour": 6, "minute": 53}
